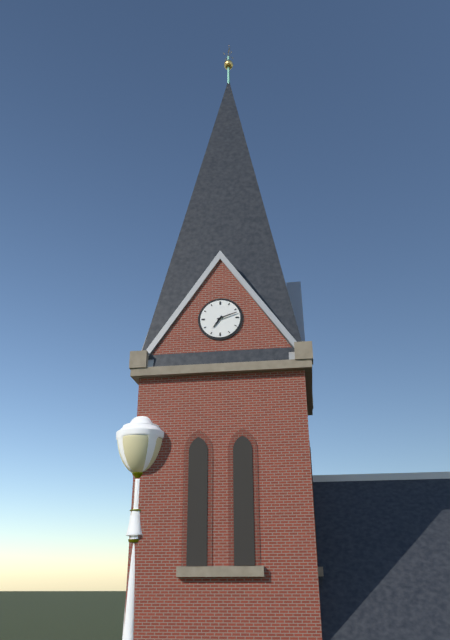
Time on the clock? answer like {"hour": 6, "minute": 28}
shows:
{"hour": 7, "minute": 12}
